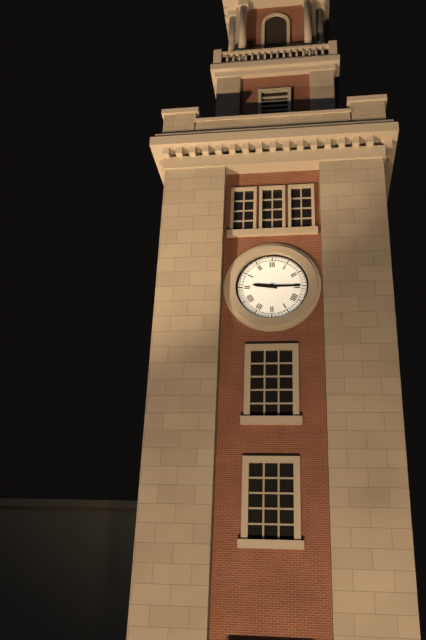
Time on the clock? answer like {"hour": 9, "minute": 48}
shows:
{"hour": 9, "minute": 15}
